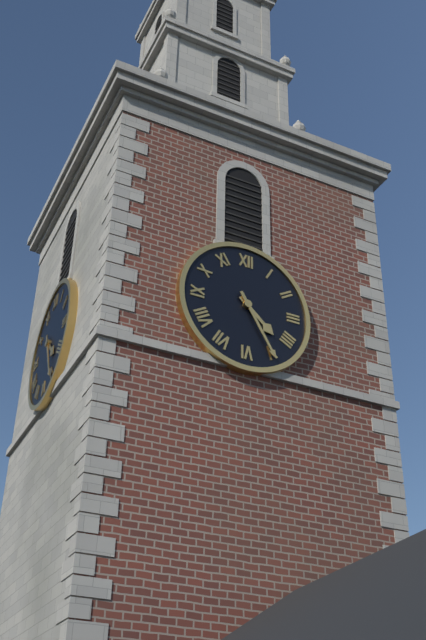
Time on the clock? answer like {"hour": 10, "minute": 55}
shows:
{"hour": 4, "minute": 25}
